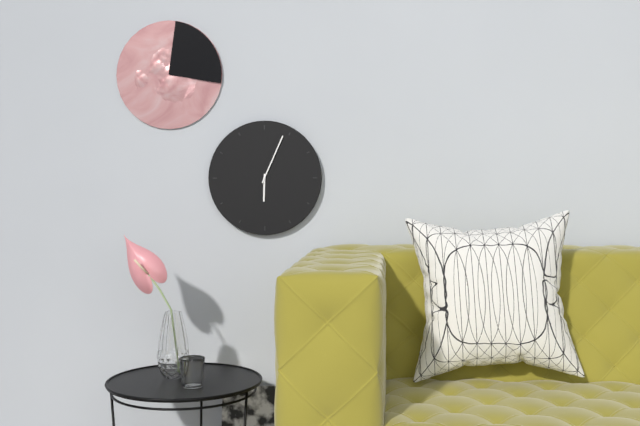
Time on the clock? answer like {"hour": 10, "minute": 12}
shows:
{"hour": 6, "minute": 4}
